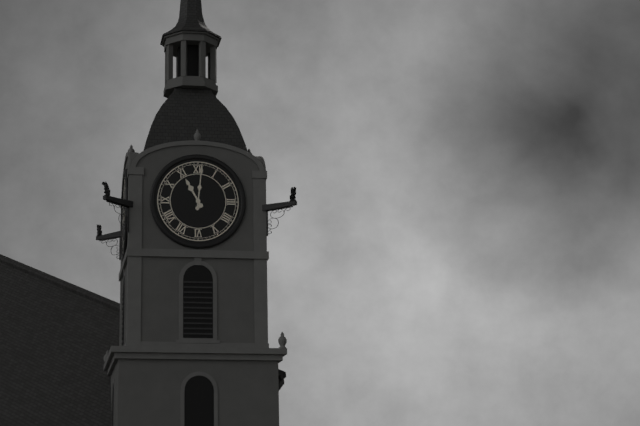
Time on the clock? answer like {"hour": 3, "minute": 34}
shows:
{"hour": 11, "minute": 1}
